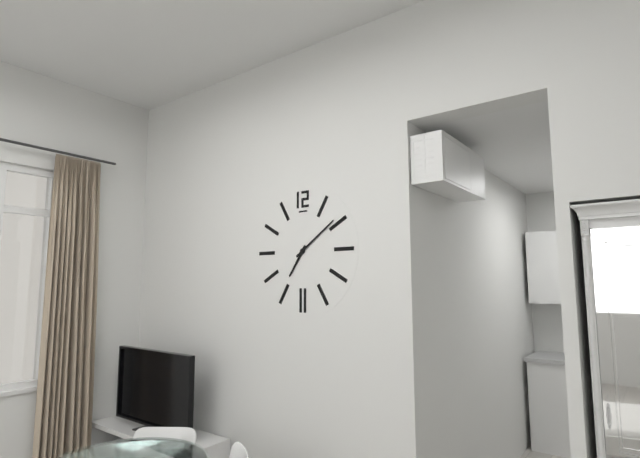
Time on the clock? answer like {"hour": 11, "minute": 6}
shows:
{"hour": 7, "minute": 9}
